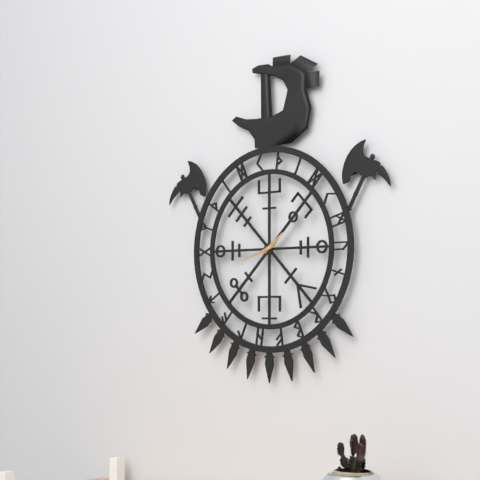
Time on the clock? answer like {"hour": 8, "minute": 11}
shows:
{"hour": 1, "minute": 42}
